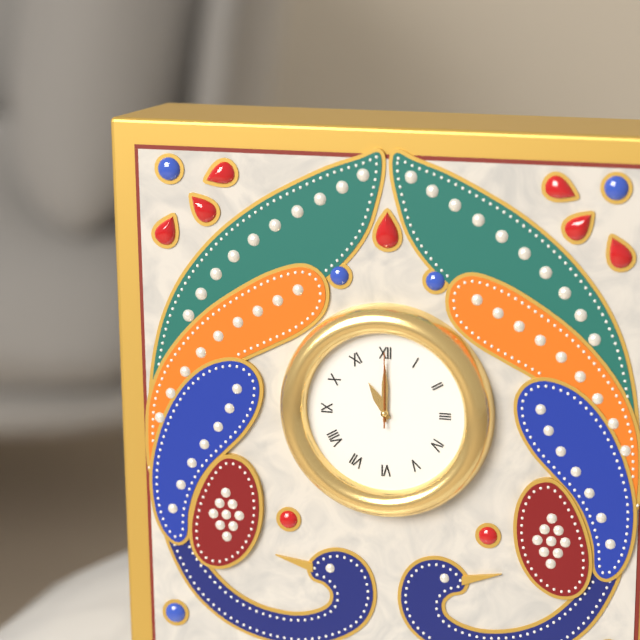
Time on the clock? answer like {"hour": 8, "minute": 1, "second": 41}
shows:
{"hour": 11, "minute": 0, "second": 0}
